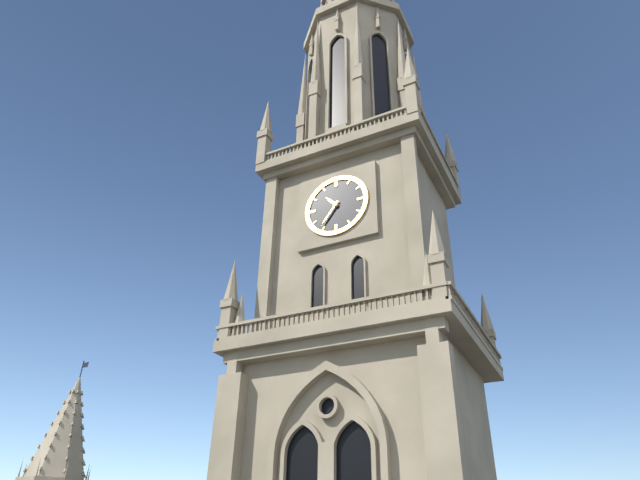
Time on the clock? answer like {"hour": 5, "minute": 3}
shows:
{"hour": 10, "minute": 36}
